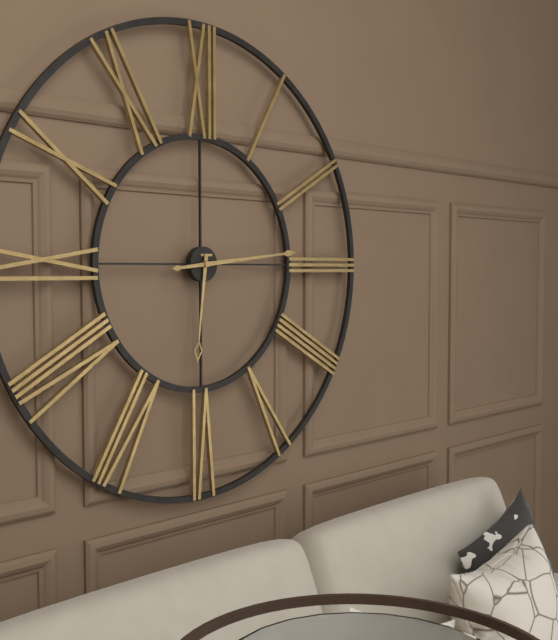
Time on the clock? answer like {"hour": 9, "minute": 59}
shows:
{"hour": 6, "minute": 14}
